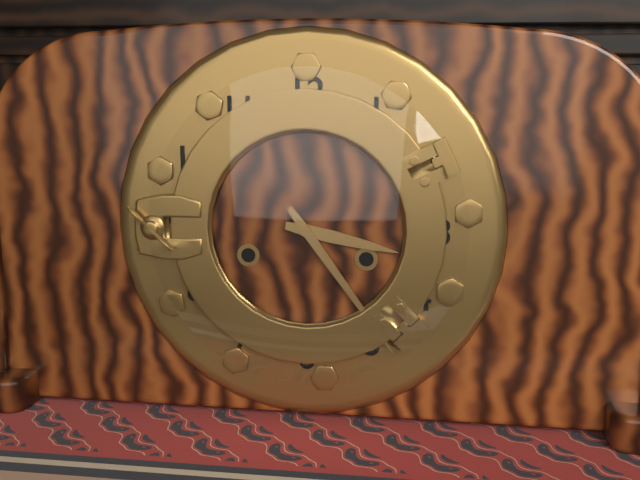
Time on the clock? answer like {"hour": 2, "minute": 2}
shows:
{"hour": 3, "minute": 24}
